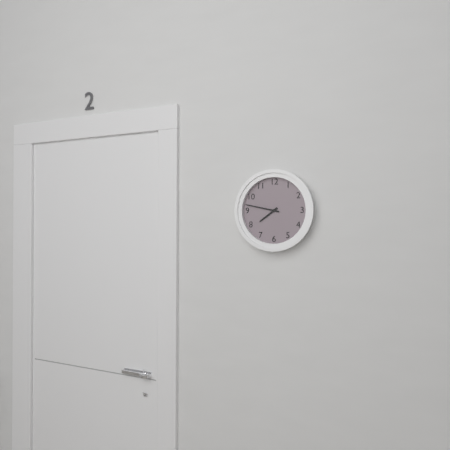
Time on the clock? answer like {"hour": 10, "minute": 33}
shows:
{"hour": 7, "minute": 47}
